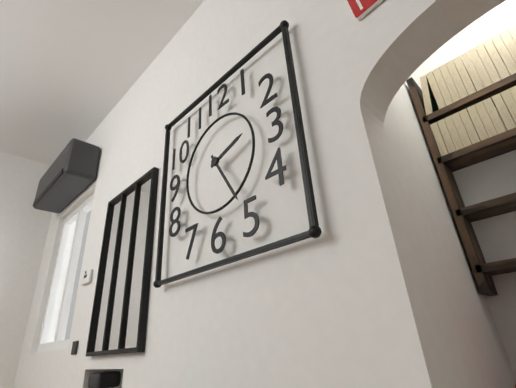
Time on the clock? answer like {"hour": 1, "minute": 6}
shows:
{"hour": 2, "minute": 25}
